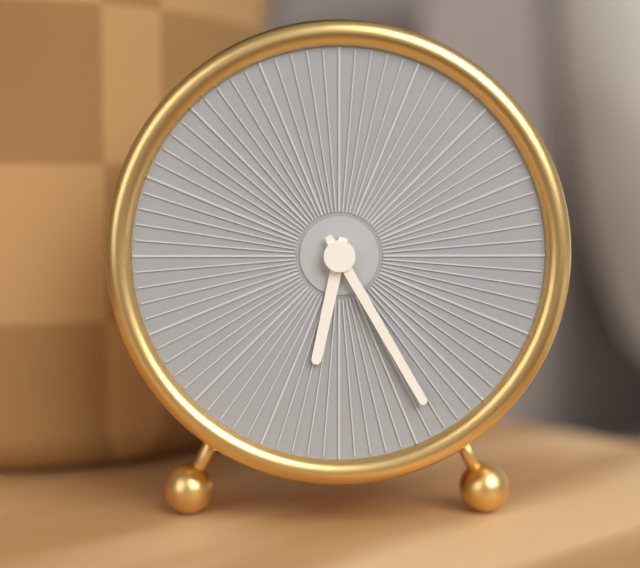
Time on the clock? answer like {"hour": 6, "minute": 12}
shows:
{"hour": 6, "minute": 25}
